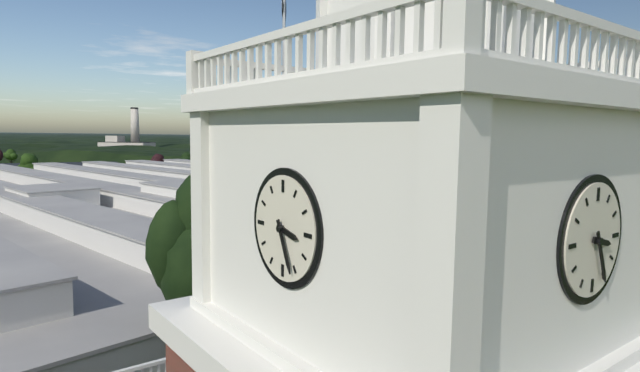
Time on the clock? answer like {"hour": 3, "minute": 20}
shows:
{"hour": 3, "minute": 26}
